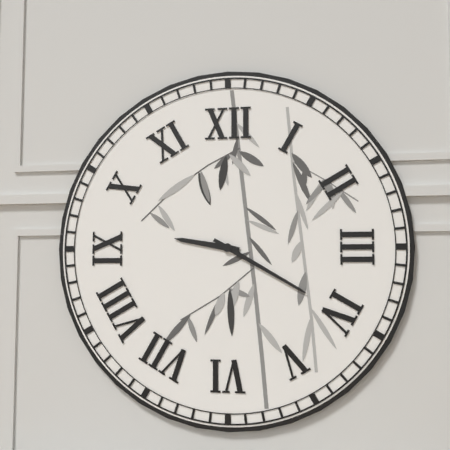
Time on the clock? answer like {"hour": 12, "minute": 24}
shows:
{"hour": 9, "minute": 20}
